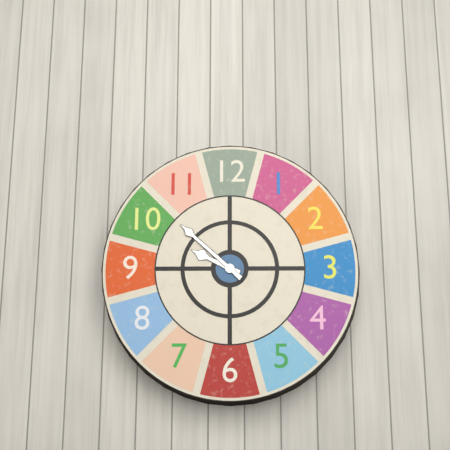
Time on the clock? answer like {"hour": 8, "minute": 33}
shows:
{"hour": 9, "minute": 52}
